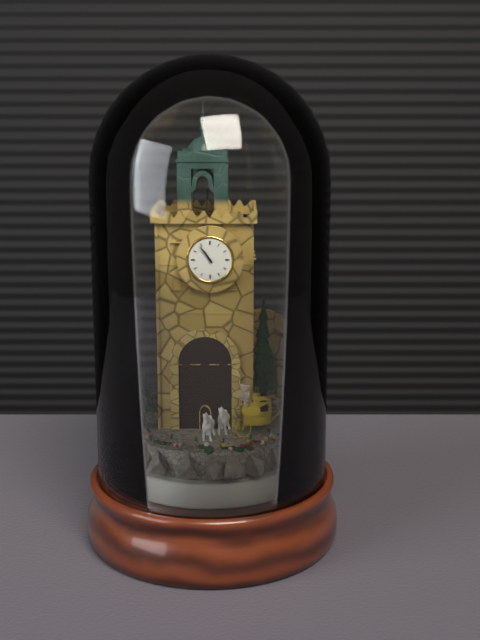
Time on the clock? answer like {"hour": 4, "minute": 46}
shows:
{"hour": 10, "minute": 54}
